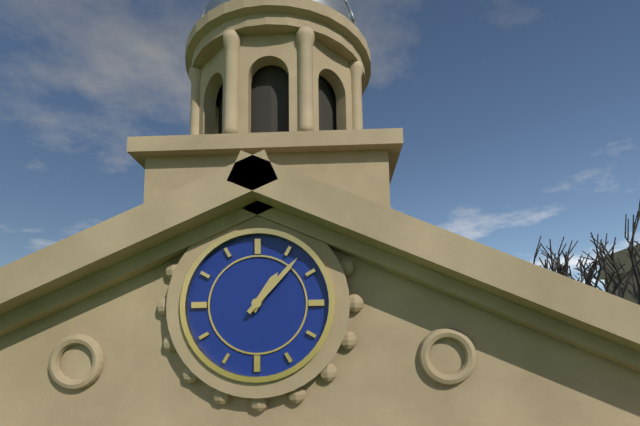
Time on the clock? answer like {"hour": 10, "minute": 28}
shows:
{"hour": 1, "minute": 7}
